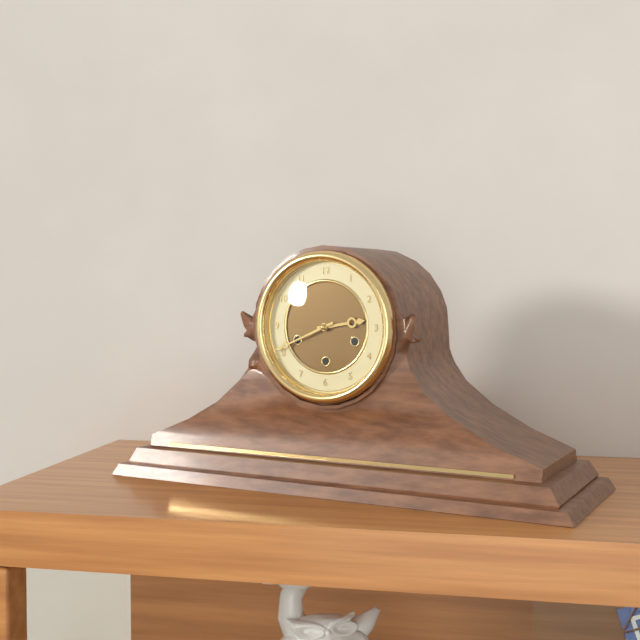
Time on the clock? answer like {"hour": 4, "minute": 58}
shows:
{"hour": 2, "minute": 41}
